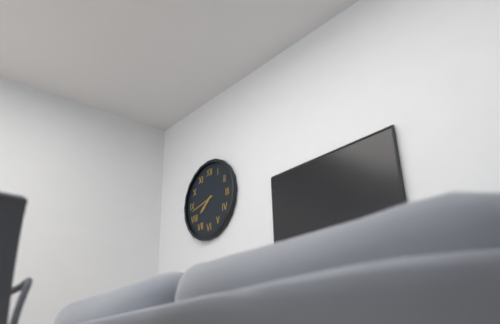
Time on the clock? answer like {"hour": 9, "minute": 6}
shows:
{"hour": 7, "minute": 43}
